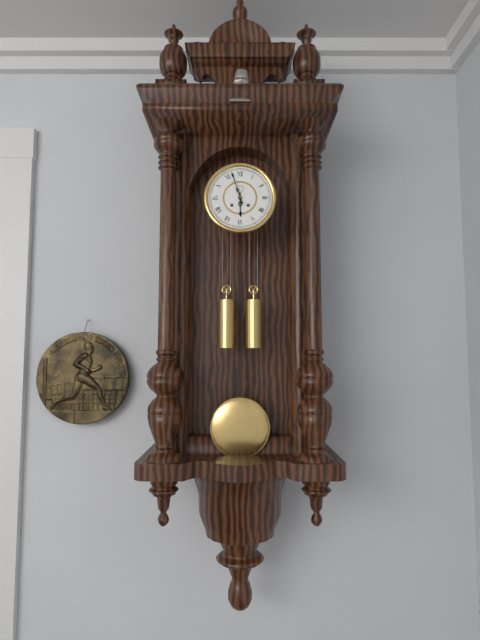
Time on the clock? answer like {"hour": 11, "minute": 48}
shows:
{"hour": 5, "minute": 57}
